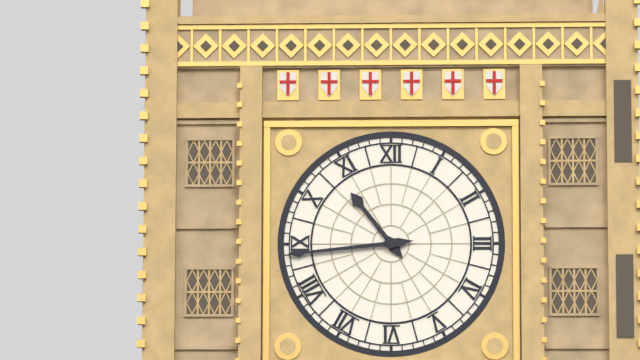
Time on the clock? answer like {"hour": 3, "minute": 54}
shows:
{"hour": 10, "minute": 44}
